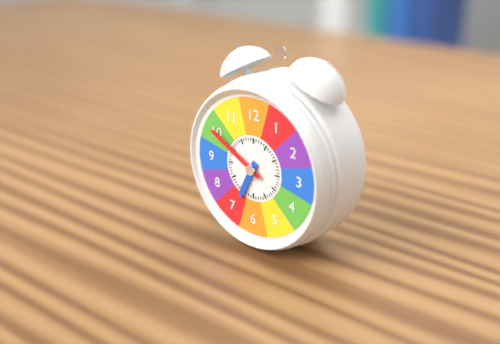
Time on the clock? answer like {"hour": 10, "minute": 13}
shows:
{"hour": 6, "minute": 50}
